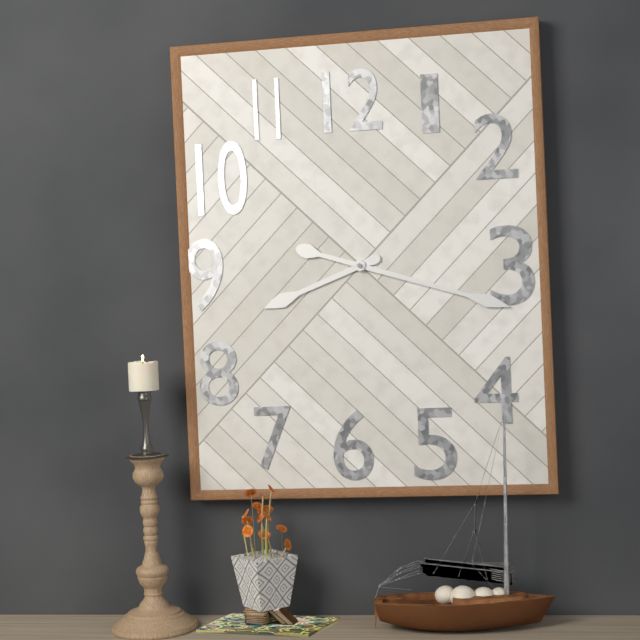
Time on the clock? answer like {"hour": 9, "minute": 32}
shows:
{"hour": 8, "minute": 18}
